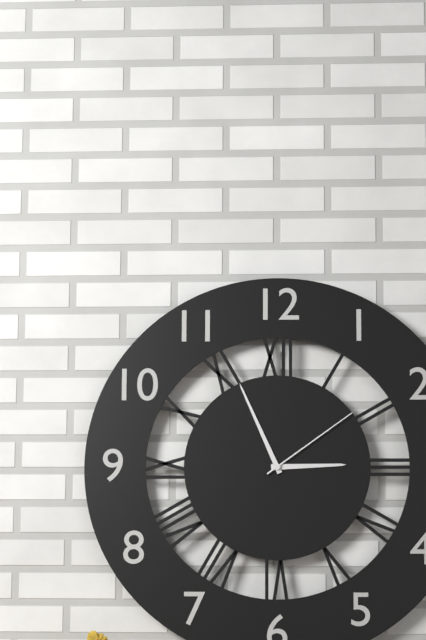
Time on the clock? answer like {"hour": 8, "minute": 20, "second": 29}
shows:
{"hour": 2, "minute": 56, "second": 9}
